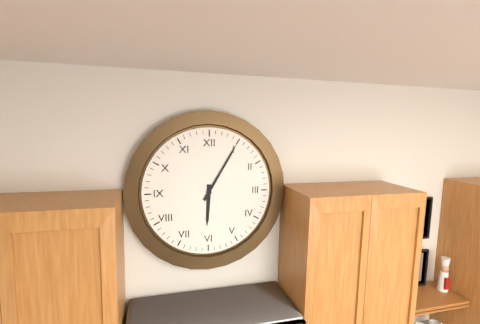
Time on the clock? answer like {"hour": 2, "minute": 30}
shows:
{"hour": 6, "minute": 5}
